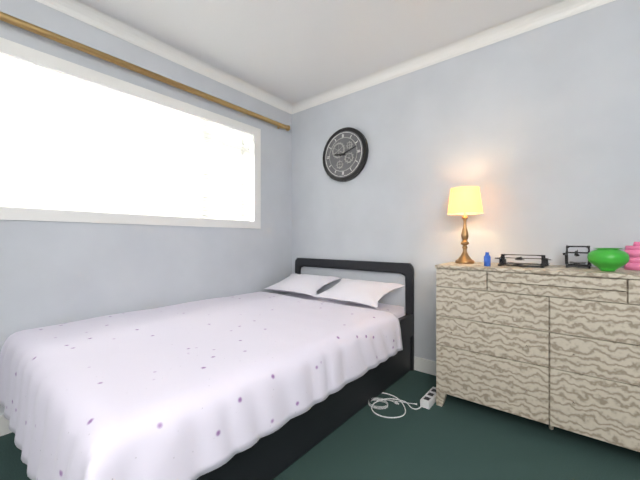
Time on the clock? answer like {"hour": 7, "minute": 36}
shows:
{"hour": 9, "minute": 12}
